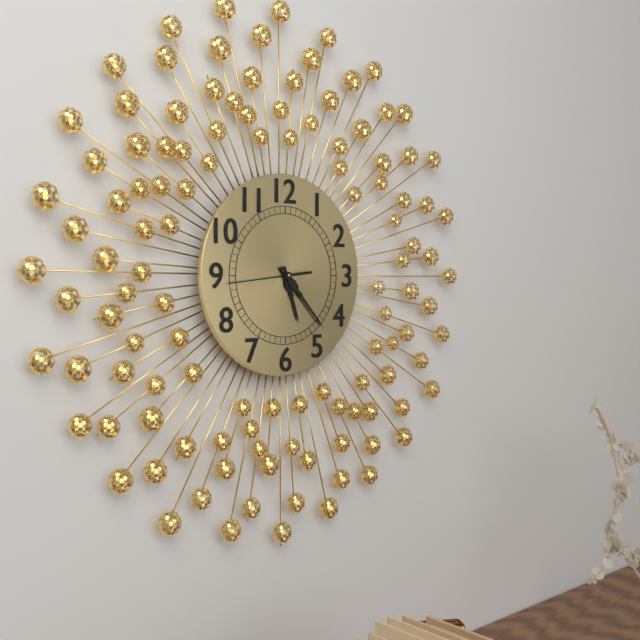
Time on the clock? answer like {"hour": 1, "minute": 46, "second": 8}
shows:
{"hour": 5, "minute": 23, "second": 44}
